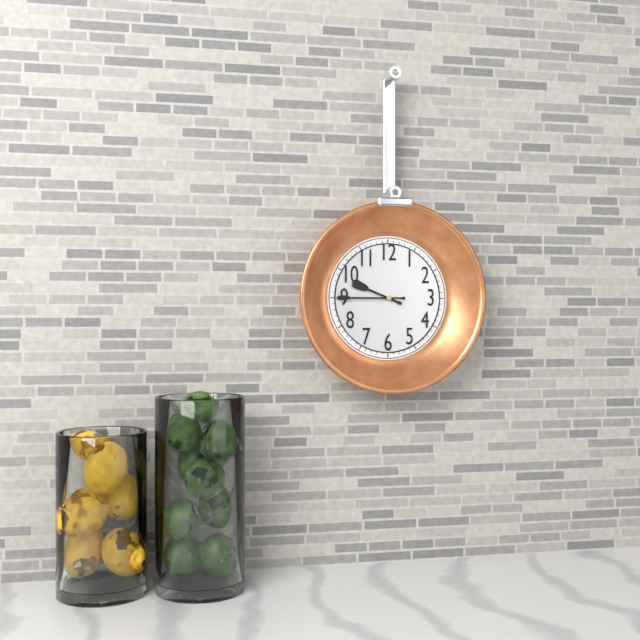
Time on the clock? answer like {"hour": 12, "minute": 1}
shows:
{"hour": 9, "minute": 45}
